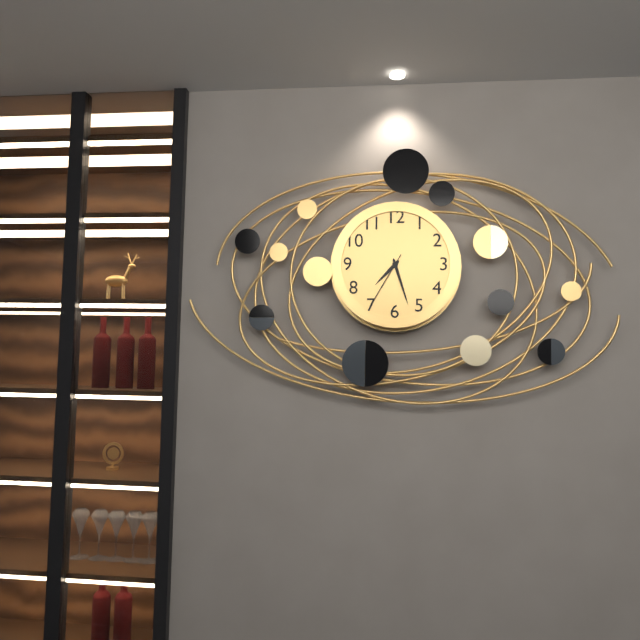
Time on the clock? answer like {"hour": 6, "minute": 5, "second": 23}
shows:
{"hour": 7, "minute": 27, "second": 35}
